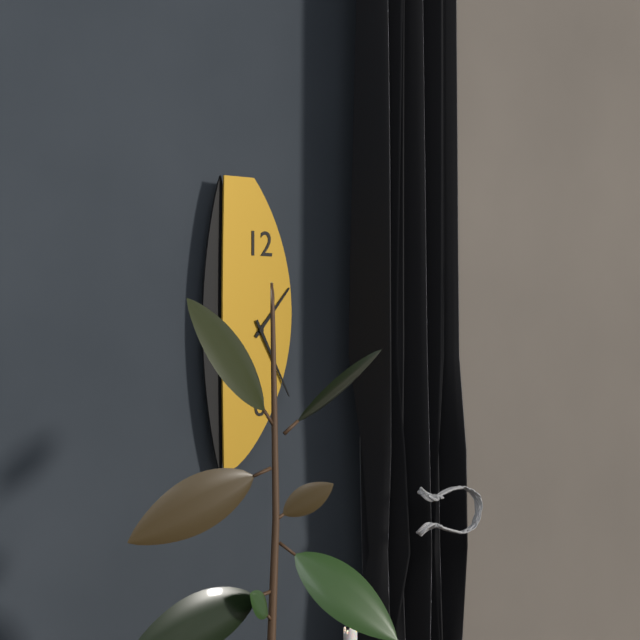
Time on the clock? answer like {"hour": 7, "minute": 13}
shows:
{"hour": 1, "minute": 25}
